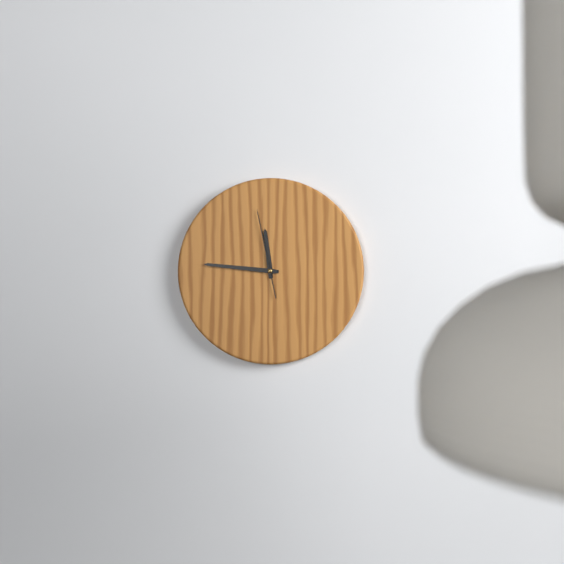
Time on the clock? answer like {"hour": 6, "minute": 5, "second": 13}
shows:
{"hour": 11, "minute": 46, "second": 58}
